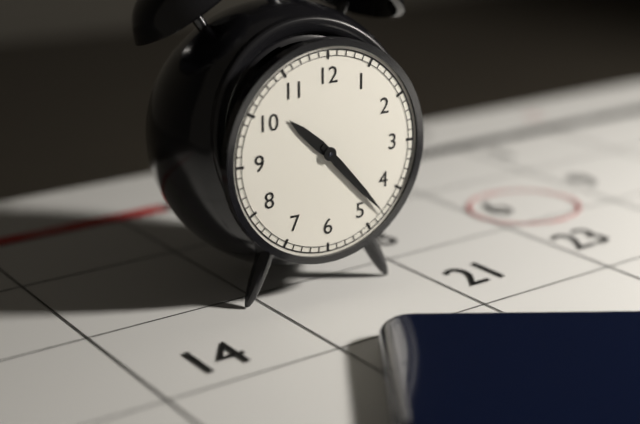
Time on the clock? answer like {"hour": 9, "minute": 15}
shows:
{"hour": 10, "minute": 23}
